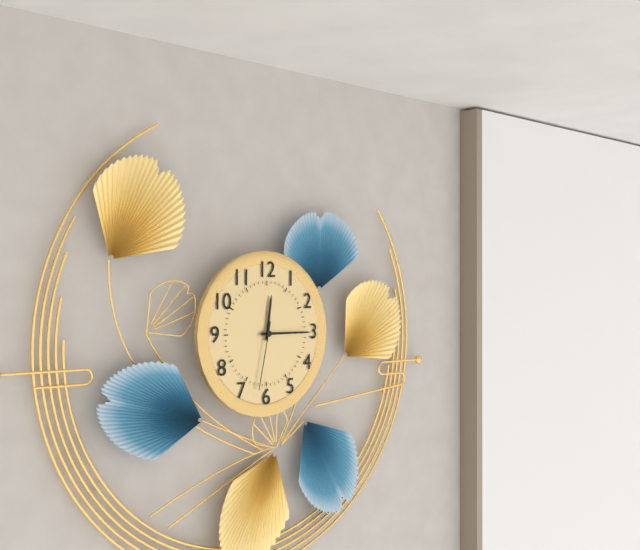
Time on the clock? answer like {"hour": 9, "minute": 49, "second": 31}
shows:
{"hour": 12, "minute": 15, "second": 32}
